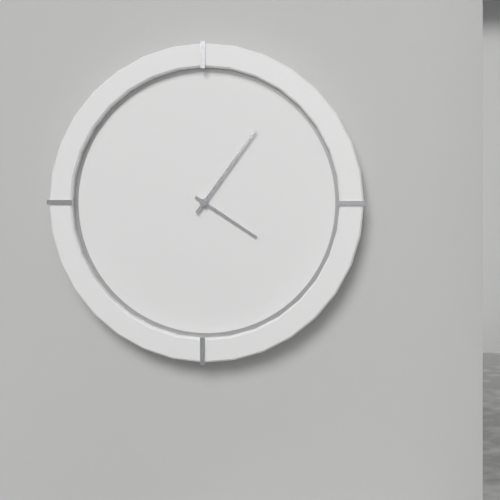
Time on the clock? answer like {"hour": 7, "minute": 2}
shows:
{"hour": 4, "minute": 6}
